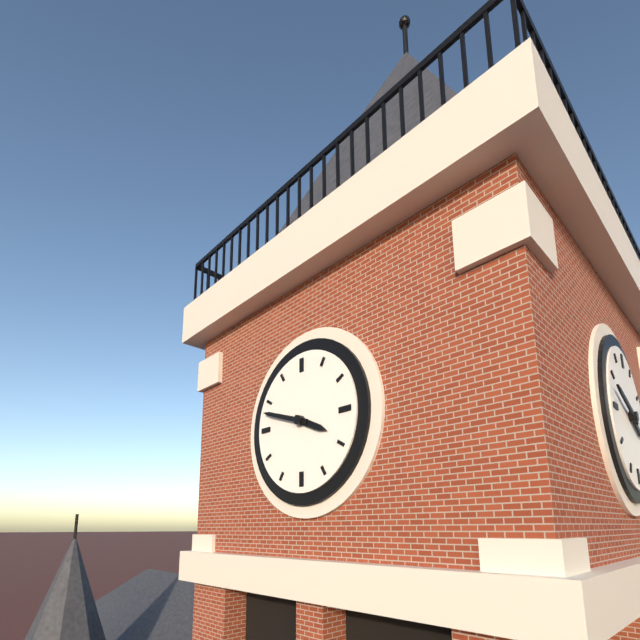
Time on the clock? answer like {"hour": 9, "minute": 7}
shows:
{"hour": 3, "minute": 48}
